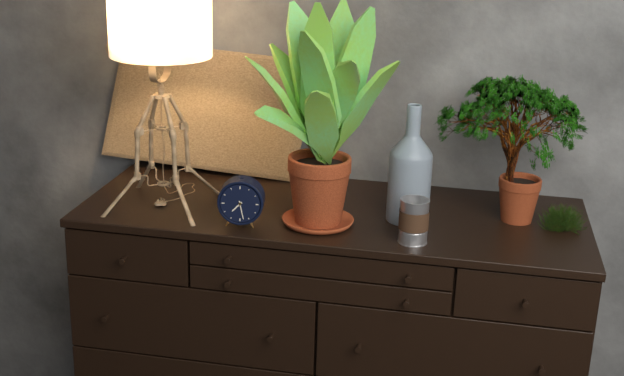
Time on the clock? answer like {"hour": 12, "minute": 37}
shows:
{"hour": 7, "minute": 28}
